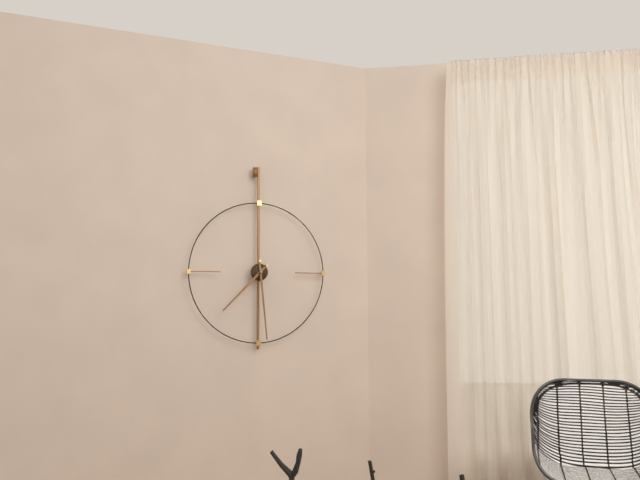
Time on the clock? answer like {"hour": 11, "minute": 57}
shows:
{"hour": 7, "minute": 29}
